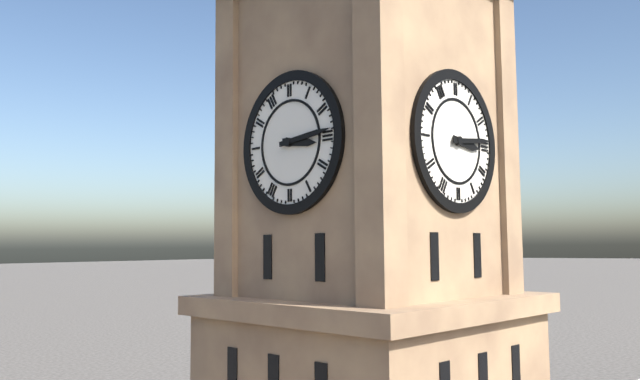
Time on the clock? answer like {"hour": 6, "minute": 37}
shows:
{"hour": 3, "minute": 14}
